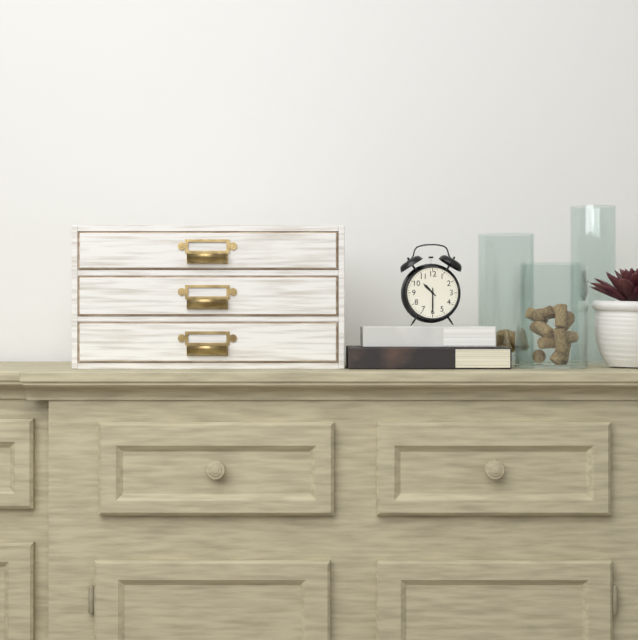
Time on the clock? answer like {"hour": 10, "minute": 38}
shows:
{"hour": 10, "minute": 30}
